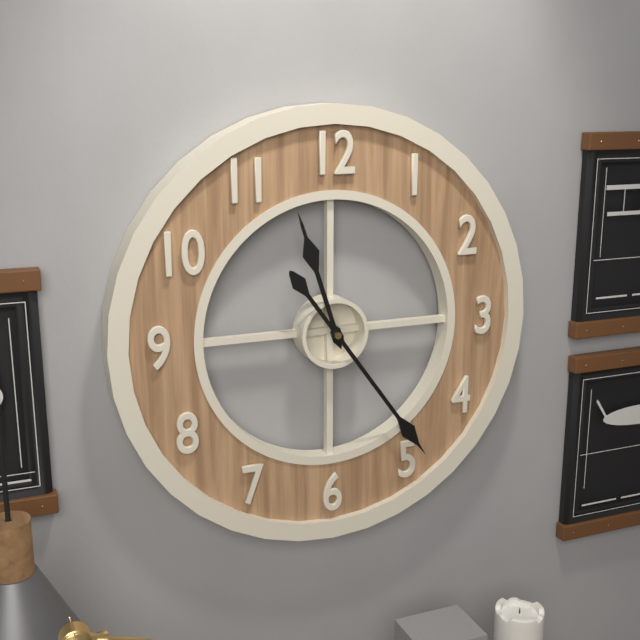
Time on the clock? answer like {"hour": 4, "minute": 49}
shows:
{"hour": 11, "minute": 24}
